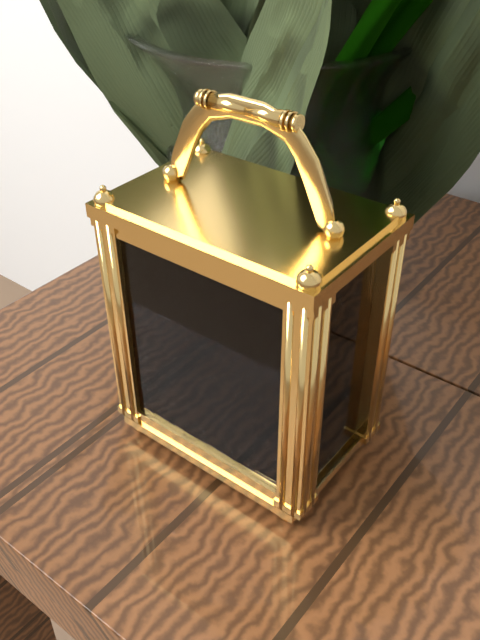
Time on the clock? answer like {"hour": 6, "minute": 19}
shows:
{"hour": 5, "minute": 32}
